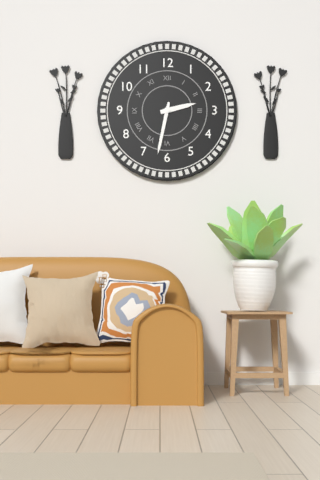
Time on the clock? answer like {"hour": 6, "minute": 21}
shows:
{"hour": 2, "minute": 32}
